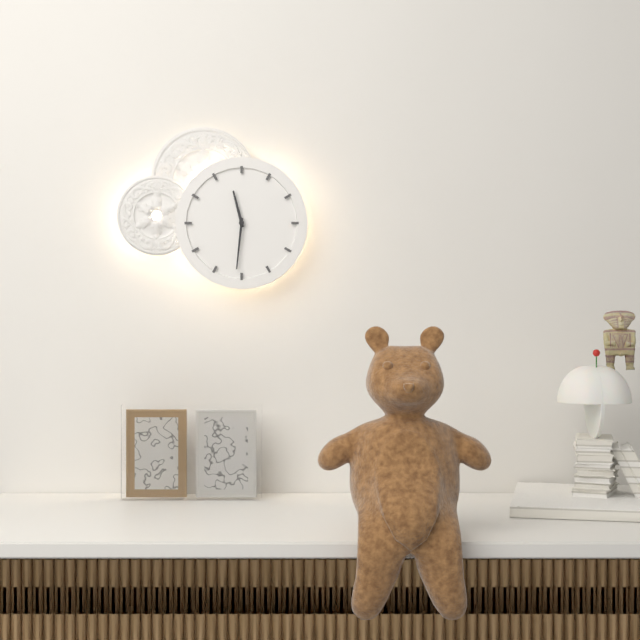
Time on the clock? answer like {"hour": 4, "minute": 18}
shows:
{"hour": 11, "minute": 31}
